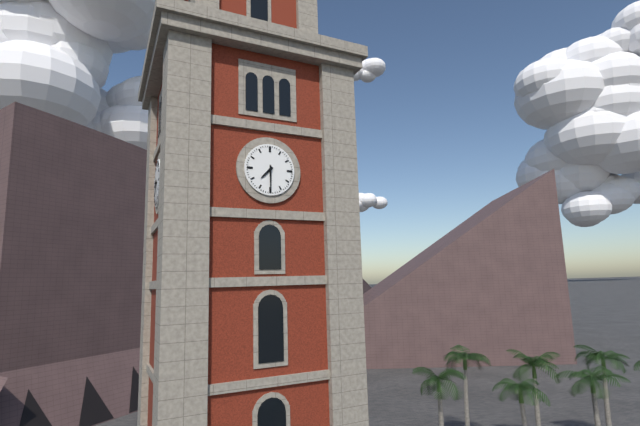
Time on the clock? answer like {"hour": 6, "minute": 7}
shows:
{"hour": 7, "minute": 30}
